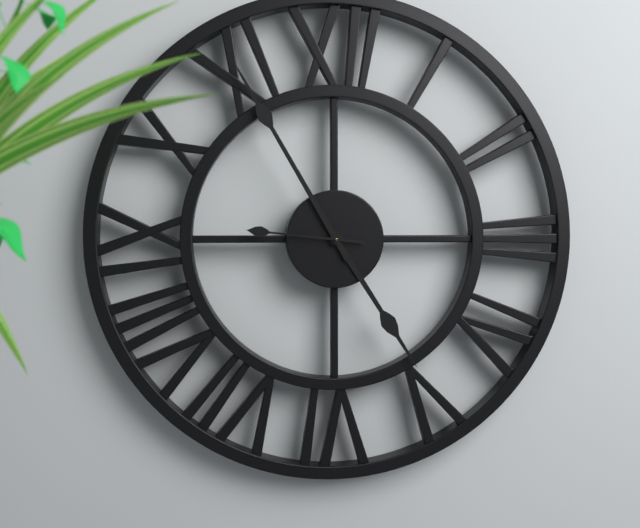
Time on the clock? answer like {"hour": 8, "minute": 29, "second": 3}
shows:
{"hour": 4, "minute": 55, "second": 46}
